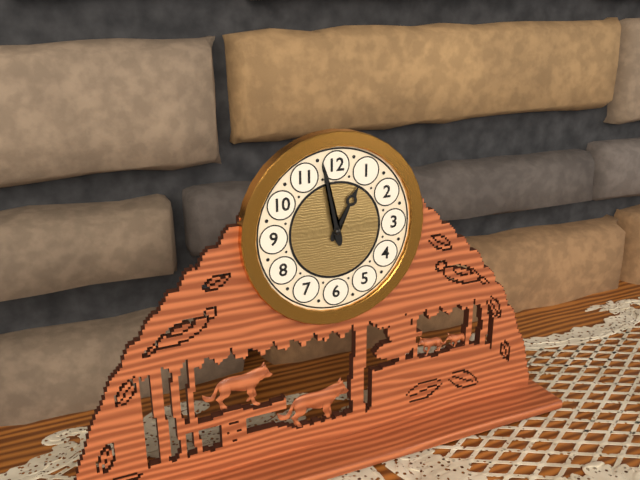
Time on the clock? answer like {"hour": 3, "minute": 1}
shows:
{"hour": 12, "minute": 58}
